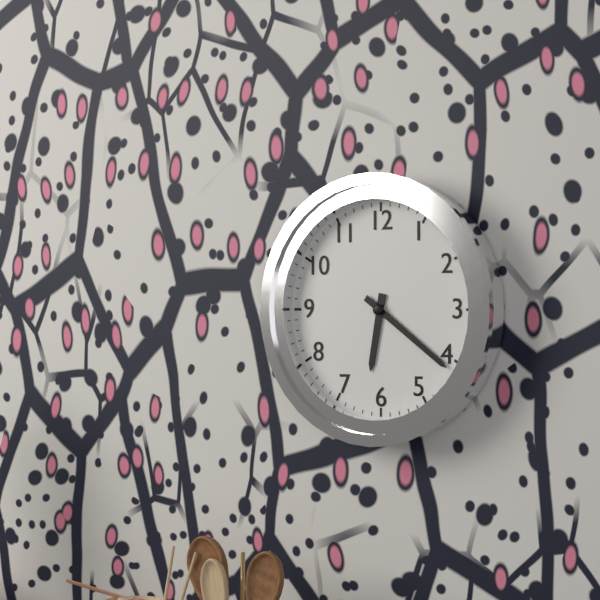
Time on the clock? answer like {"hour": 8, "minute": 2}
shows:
{"hour": 6, "minute": 21}
